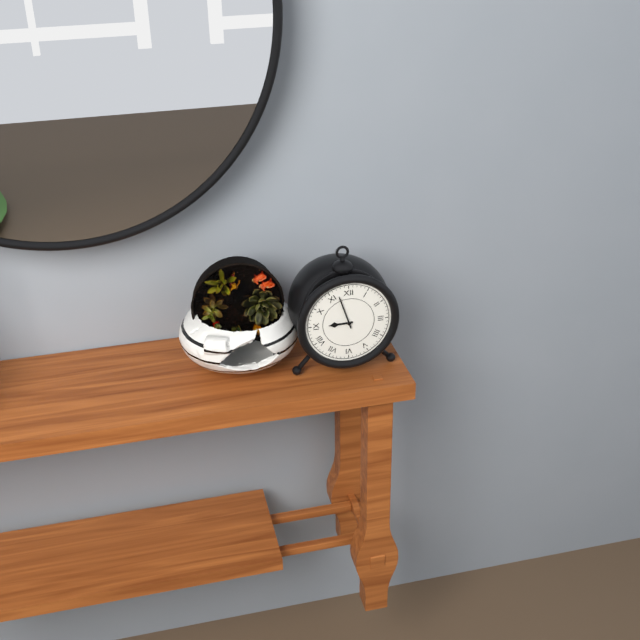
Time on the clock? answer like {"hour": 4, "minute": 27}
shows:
{"hour": 8, "minute": 57}
